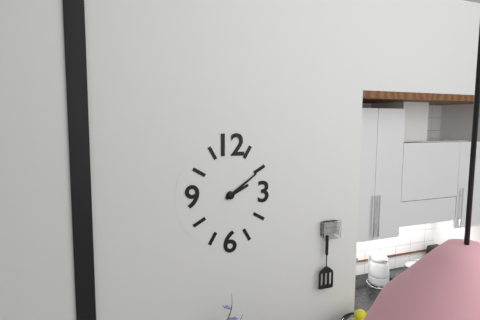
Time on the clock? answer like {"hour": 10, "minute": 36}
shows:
{"hour": 2, "minute": 9}
